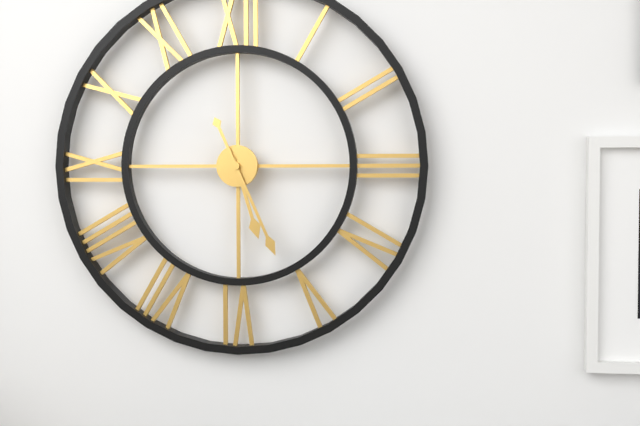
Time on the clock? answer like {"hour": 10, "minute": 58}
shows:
{"hour": 5, "minute": 26}
